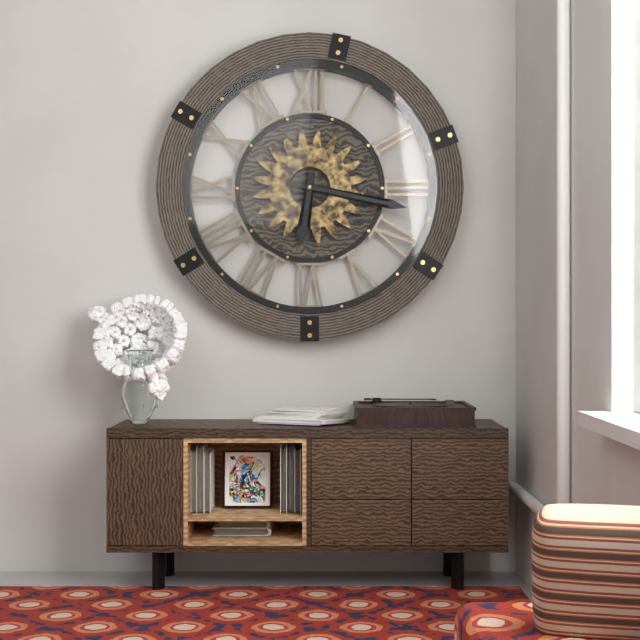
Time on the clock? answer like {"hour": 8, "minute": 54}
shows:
{"hour": 6, "minute": 17}
